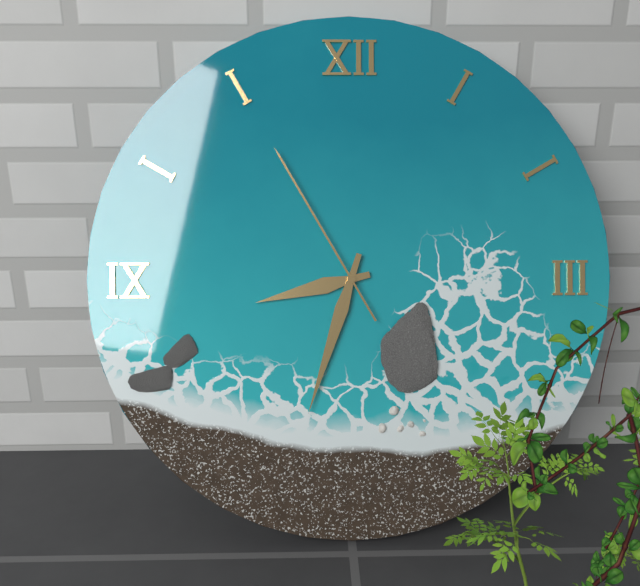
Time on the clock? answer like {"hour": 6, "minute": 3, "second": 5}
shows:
{"hour": 8, "minute": 33, "second": 55}
